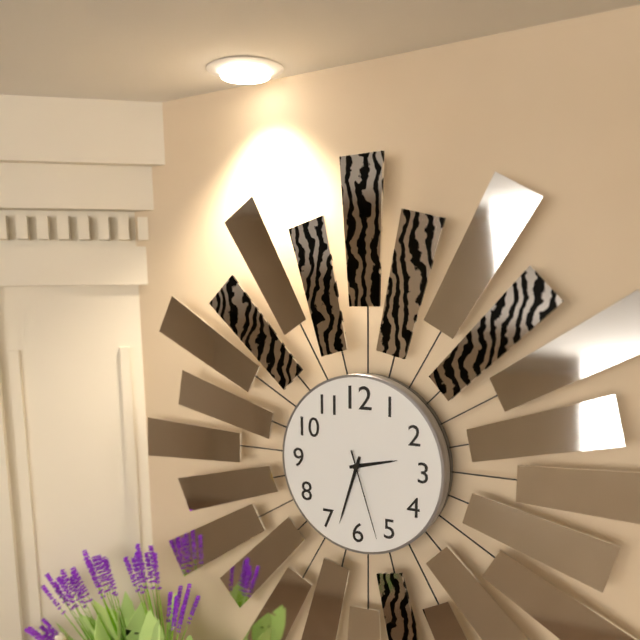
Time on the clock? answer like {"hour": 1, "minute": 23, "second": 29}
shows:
{"hour": 2, "minute": 33, "second": 27}
